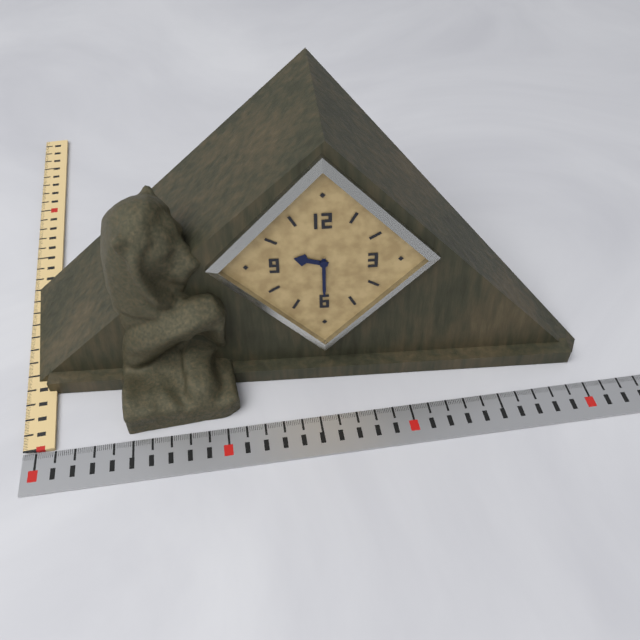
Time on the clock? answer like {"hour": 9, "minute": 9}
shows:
{"hour": 9, "minute": 30}
